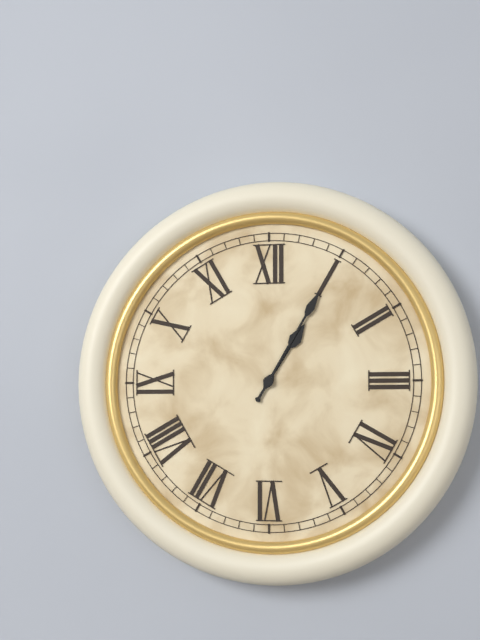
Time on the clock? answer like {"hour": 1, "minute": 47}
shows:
{"hour": 1, "minute": 5}
